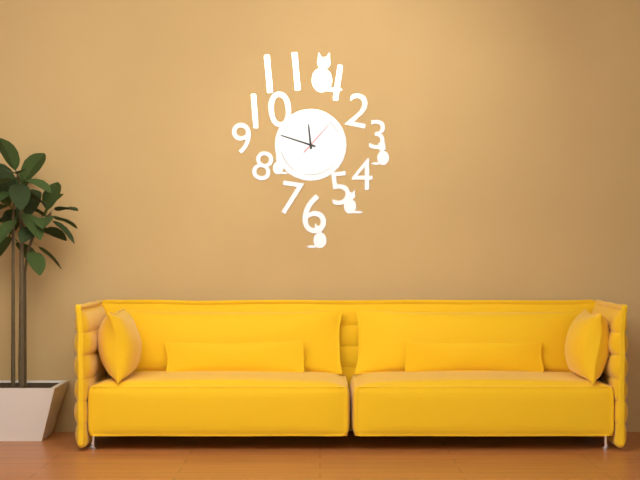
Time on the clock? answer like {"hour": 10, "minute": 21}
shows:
{"hour": 11, "minute": 48}
